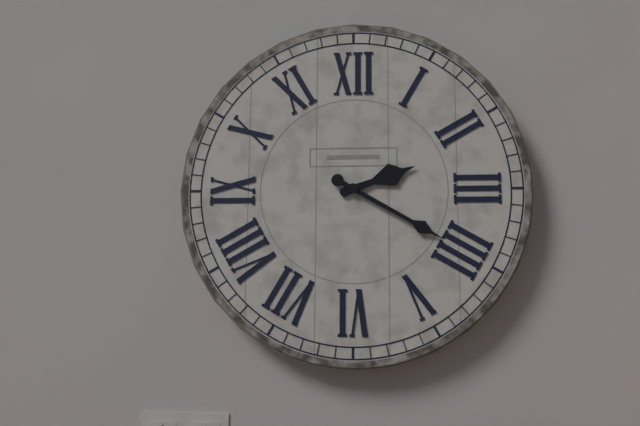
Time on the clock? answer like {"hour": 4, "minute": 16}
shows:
{"hour": 2, "minute": 20}
